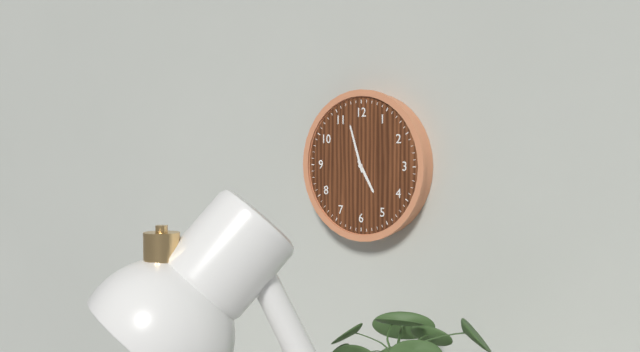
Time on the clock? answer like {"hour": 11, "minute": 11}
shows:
{"hour": 4, "minute": 57}
